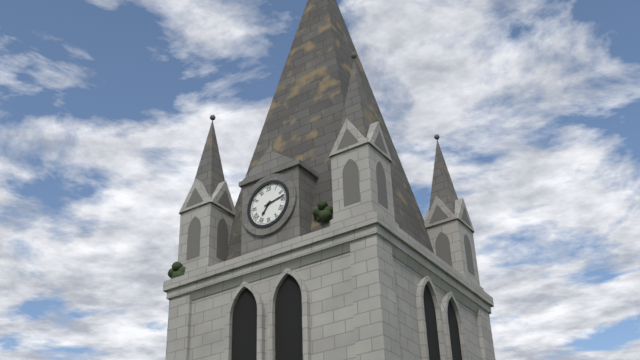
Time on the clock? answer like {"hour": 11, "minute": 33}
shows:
{"hour": 7, "minute": 13}
